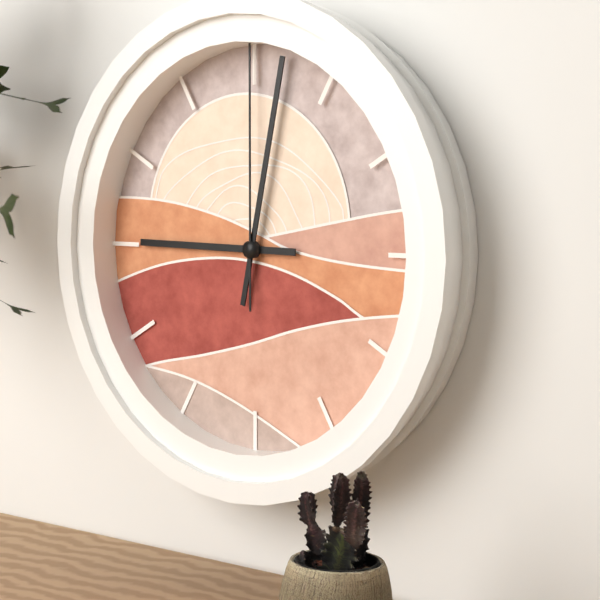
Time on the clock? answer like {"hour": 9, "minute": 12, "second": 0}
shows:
{"hour": 9, "minute": 2, "second": 0}
